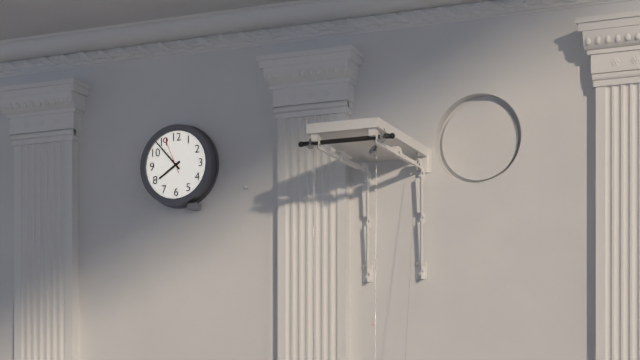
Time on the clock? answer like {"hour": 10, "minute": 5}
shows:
{"hour": 7, "minute": 53}
